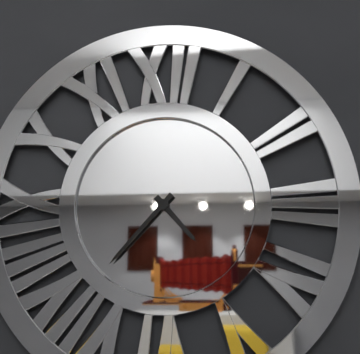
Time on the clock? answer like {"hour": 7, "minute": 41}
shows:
{"hour": 4, "minute": 37}
